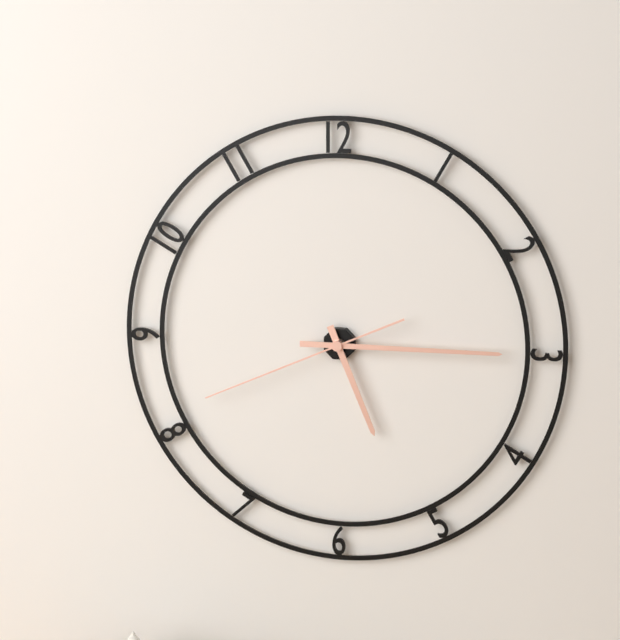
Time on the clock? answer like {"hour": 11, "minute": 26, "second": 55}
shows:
{"hour": 5, "minute": 15, "second": 41}
